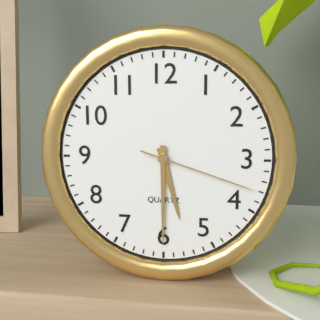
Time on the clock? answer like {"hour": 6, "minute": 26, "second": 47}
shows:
{"hour": 5, "minute": 30, "second": 18}
